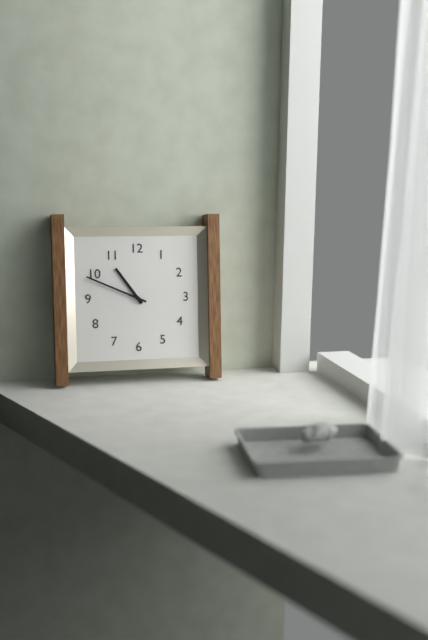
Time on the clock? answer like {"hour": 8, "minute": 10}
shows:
{"hour": 10, "minute": 49}
